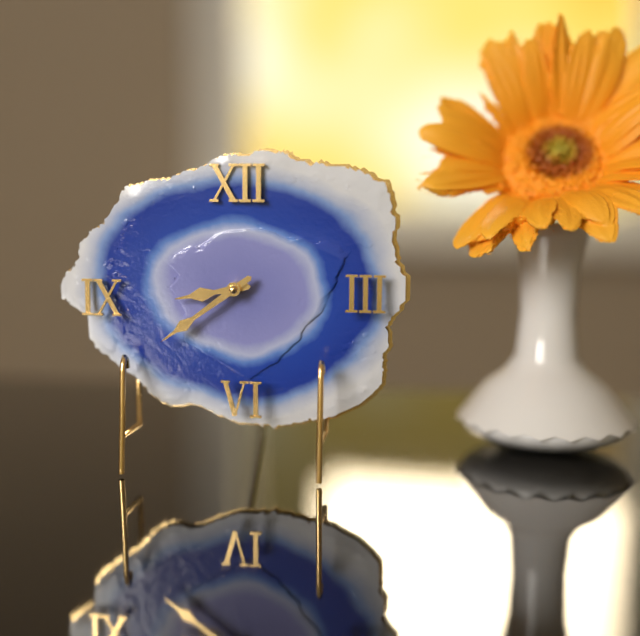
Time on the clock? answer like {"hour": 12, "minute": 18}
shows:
{"hour": 8, "minute": 39}
